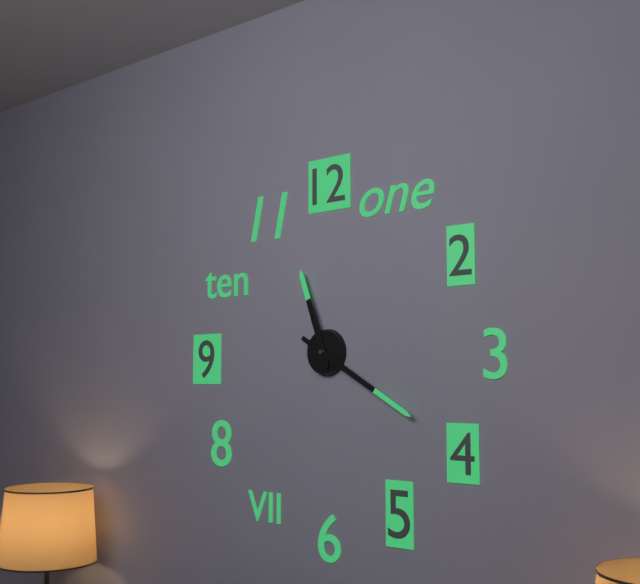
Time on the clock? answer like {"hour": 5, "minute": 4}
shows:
{"hour": 11, "minute": 20}
